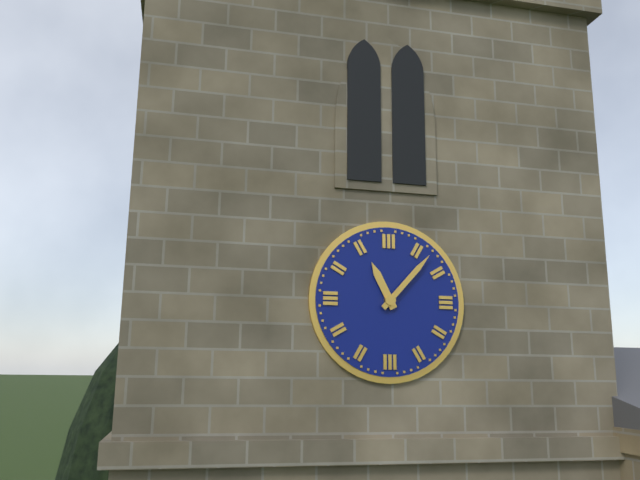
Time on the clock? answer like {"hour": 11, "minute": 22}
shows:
{"hour": 11, "minute": 7}
